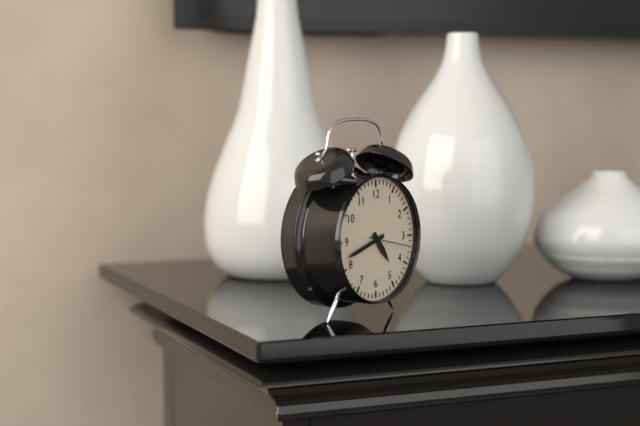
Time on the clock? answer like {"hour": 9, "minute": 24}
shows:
{"hour": 4, "minute": 42}
